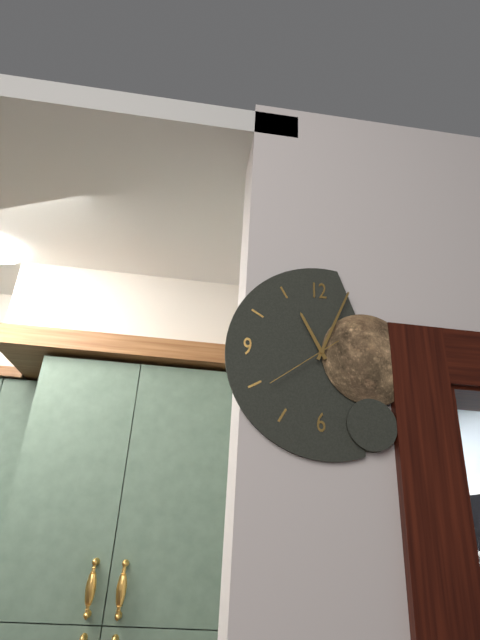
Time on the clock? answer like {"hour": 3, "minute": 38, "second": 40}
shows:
{"hour": 11, "minute": 4, "second": 39}
